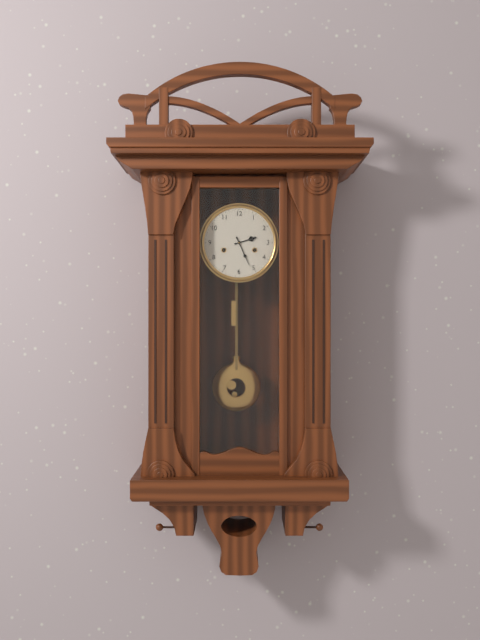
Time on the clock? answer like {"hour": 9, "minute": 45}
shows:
{"hour": 2, "minute": 26}
